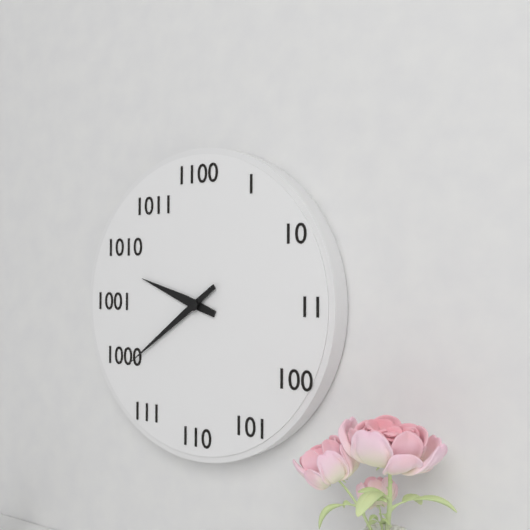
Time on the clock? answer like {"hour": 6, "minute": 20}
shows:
{"hour": 9, "minute": 39}
